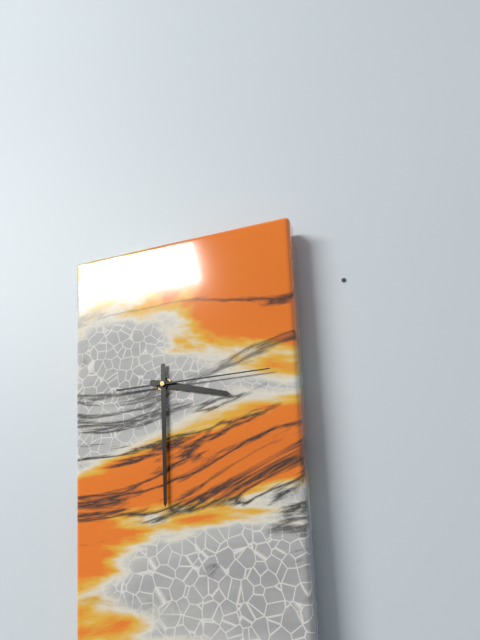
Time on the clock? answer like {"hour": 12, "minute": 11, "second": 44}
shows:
{"hour": 3, "minute": 30, "second": 15}
